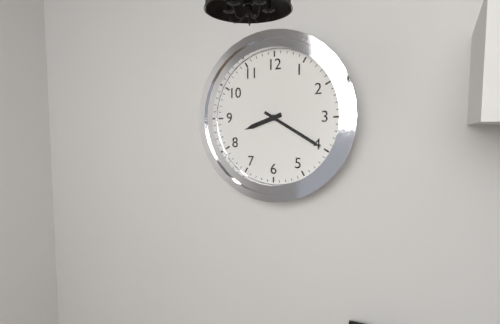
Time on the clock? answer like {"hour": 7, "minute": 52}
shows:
{"hour": 8, "minute": 20}
